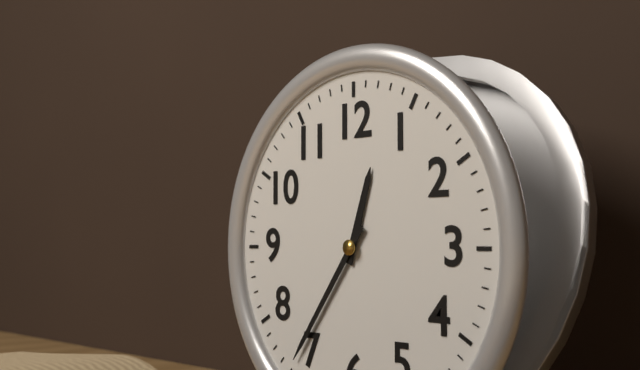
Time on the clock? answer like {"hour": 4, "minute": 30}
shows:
{"hour": 12, "minute": 36}
